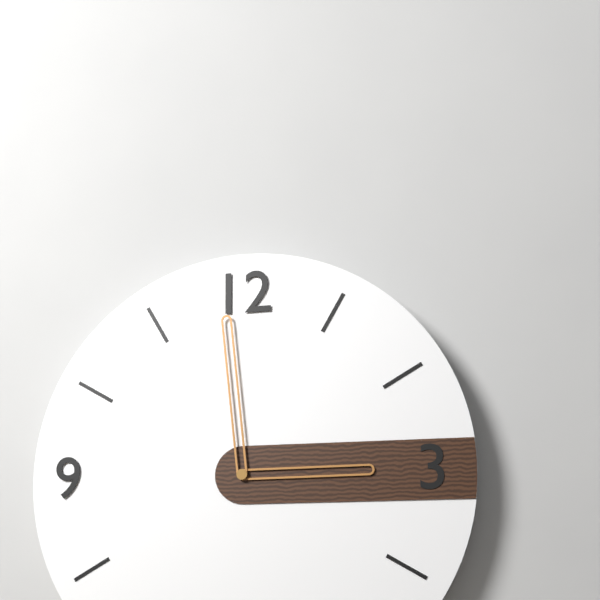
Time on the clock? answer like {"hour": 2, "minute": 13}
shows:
{"hour": 2, "minute": 59}
